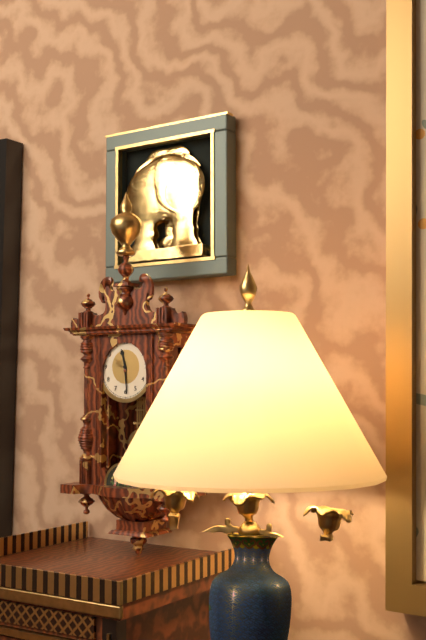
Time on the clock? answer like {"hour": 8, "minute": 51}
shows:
{"hour": 11, "minute": 29}
